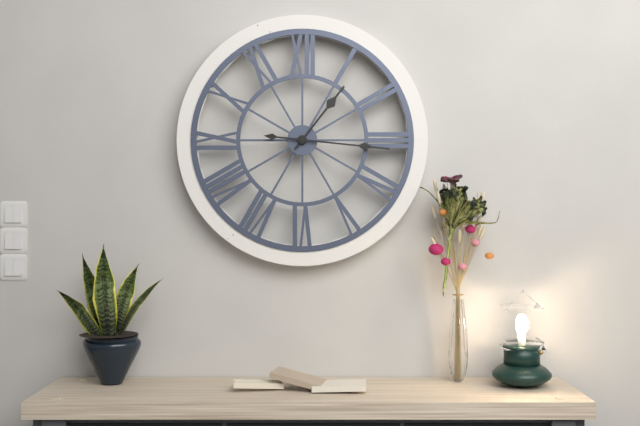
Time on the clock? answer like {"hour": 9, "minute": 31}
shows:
{"hour": 1, "minute": 16}
